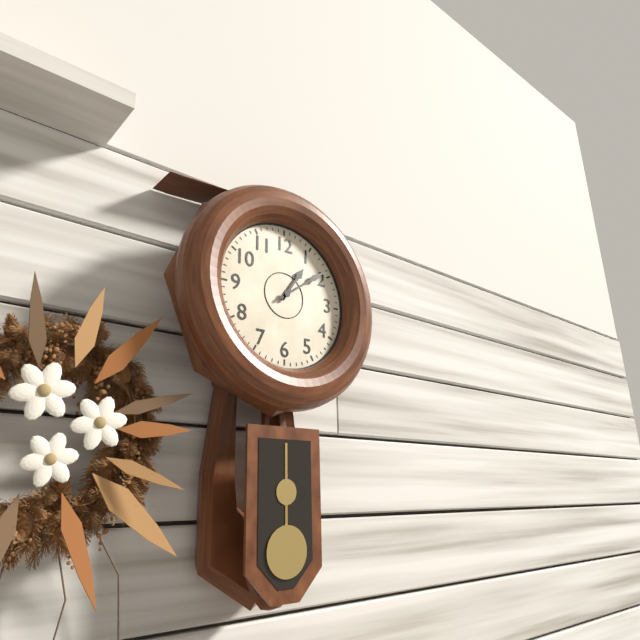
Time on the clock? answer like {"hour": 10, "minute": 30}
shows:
{"hour": 1, "minute": 9}
